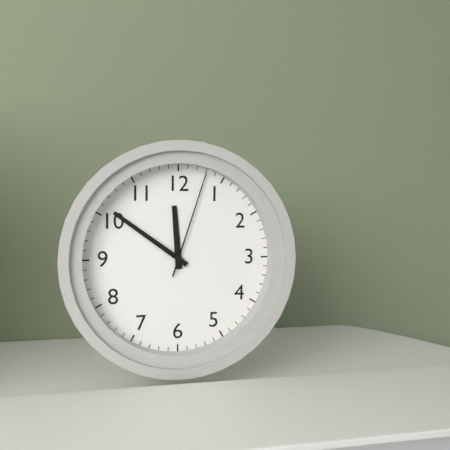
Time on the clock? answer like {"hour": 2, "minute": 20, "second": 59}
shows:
{"hour": 11, "minute": 51, "second": 3}
